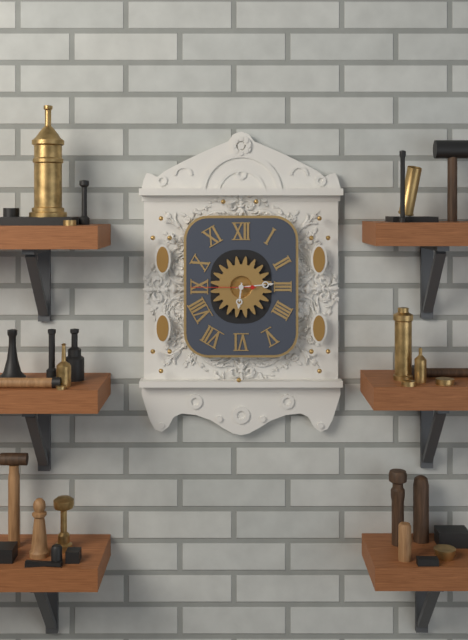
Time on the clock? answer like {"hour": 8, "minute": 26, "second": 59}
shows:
{"hour": 6, "minute": 14, "second": 45}
